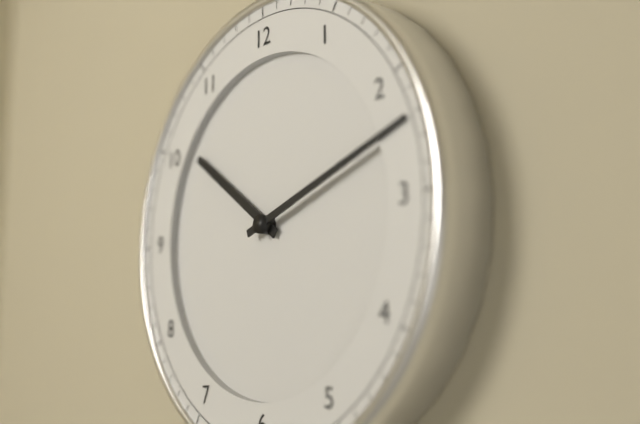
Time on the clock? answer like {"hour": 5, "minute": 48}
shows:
{"hour": 10, "minute": 12}
